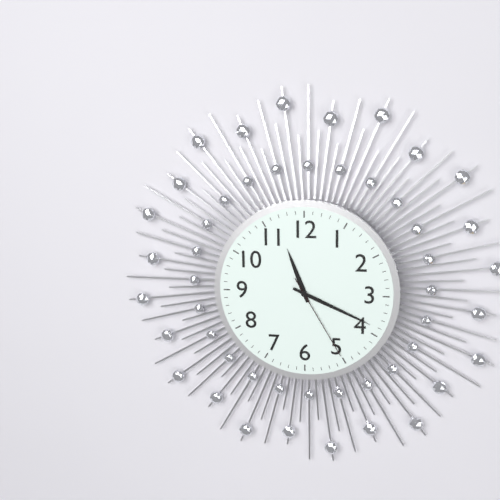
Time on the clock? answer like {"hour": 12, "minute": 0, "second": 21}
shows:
{"hour": 11, "minute": 19, "second": 25}
